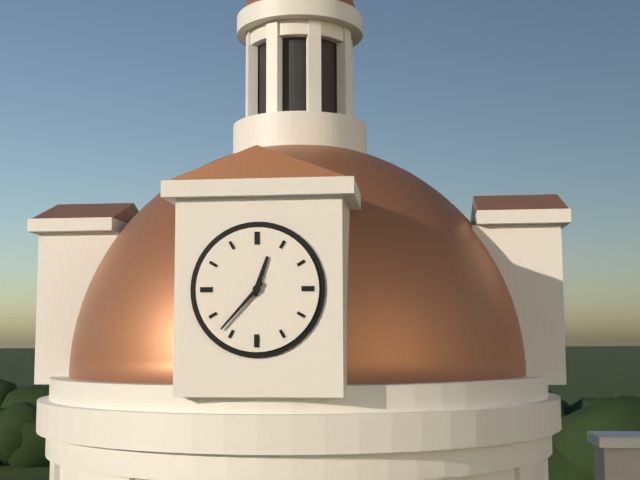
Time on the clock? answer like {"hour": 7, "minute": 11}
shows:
{"hour": 12, "minute": 37}
